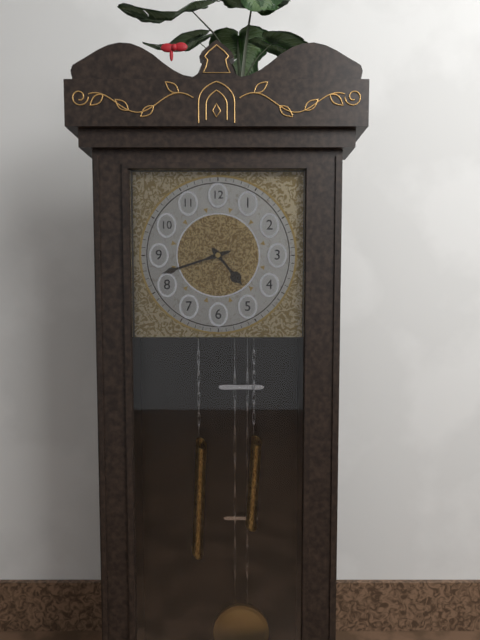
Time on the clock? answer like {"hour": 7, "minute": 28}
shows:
{"hour": 4, "minute": 42}
